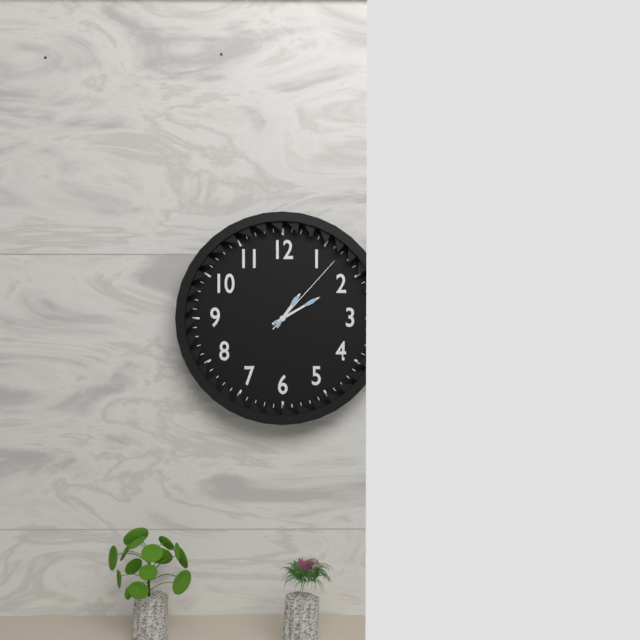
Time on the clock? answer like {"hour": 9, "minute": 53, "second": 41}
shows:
{"hour": 1, "minute": 10, "second": 7}
